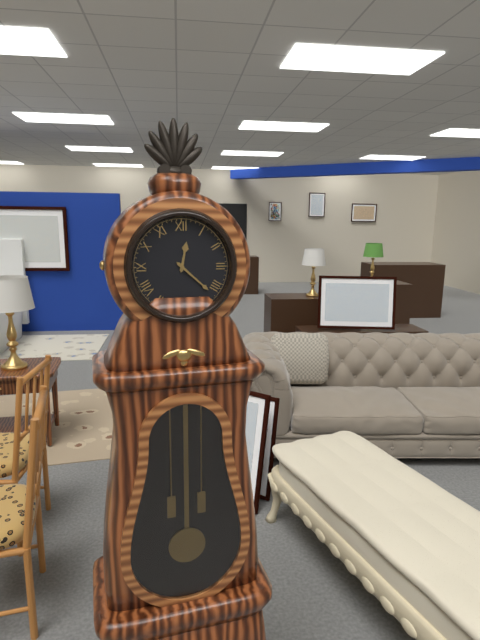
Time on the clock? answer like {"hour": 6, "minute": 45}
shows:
{"hour": 12, "minute": 22}
